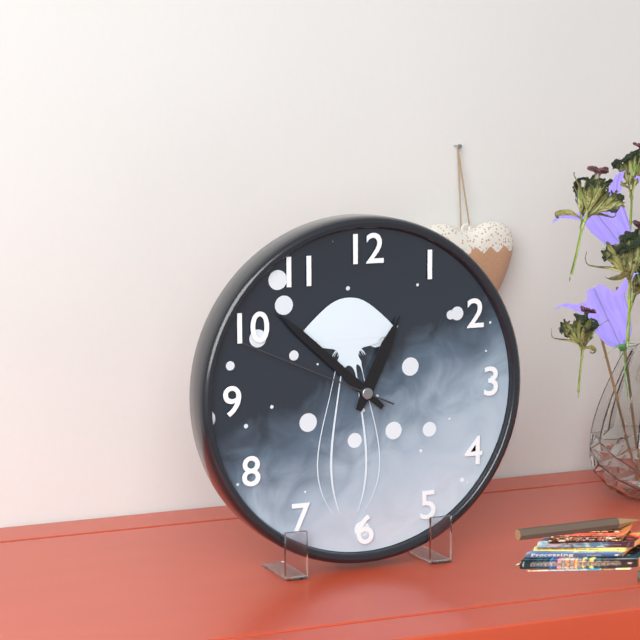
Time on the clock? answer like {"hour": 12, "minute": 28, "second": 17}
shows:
{"hour": 12, "minute": 52, "second": 49}
